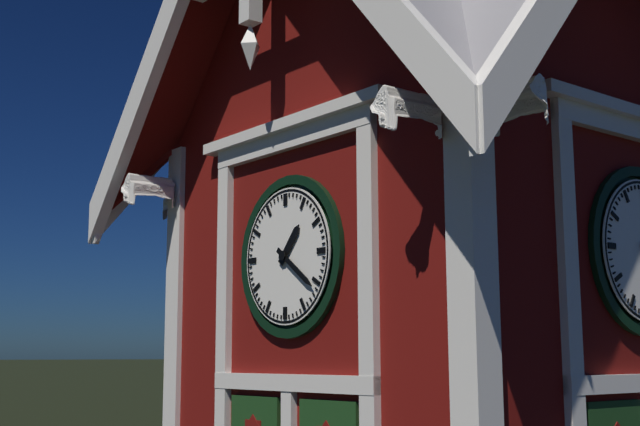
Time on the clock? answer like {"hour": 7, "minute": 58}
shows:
{"hour": 1, "minute": 21}
